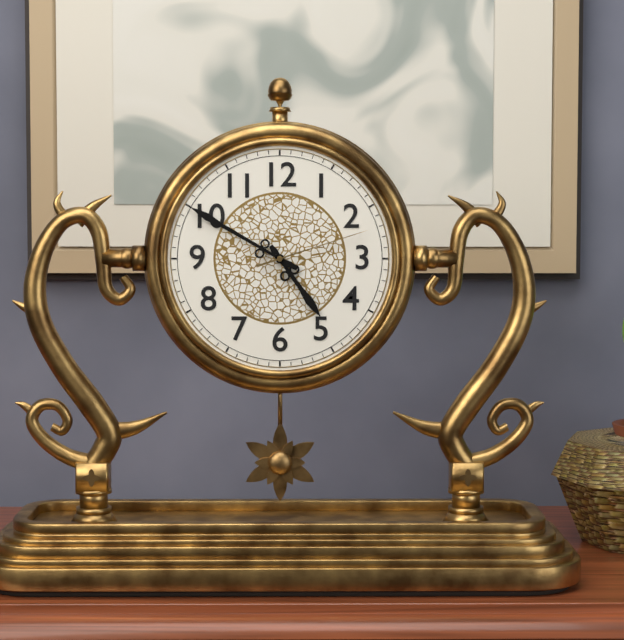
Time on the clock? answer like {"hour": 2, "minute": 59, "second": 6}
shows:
{"hour": 4, "minute": 50, "second": 12}
